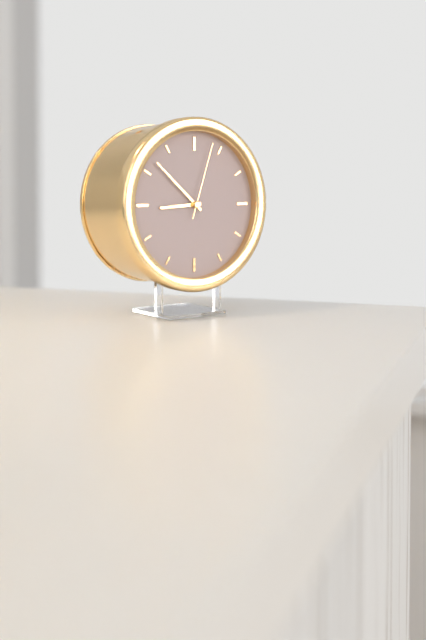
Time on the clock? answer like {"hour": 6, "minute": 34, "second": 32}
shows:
{"hour": 8, "minute": 52, "second": 3}
